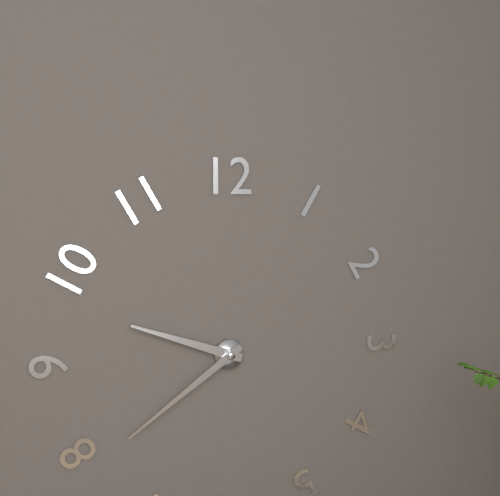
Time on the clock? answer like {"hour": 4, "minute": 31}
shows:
{"hour": 9, "minute": 39}
